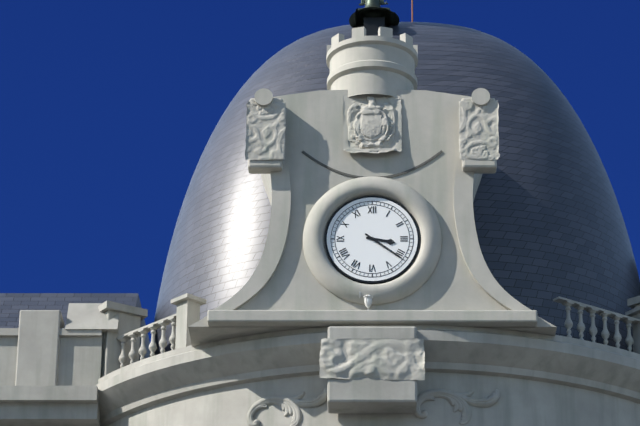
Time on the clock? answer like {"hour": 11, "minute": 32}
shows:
{"hour": 3, "minute": 21}
